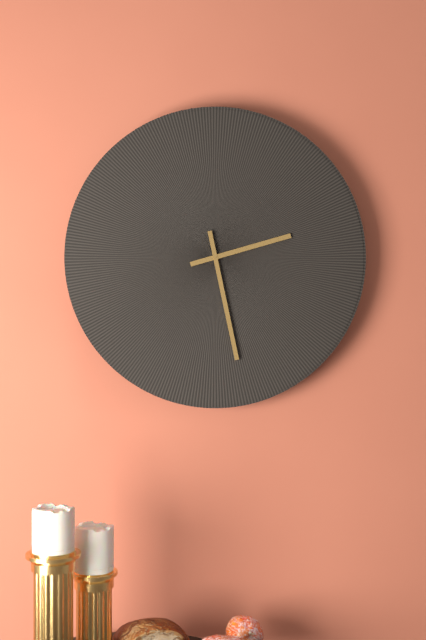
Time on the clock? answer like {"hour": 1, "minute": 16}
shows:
{"hour": 2, "minute": 28}
